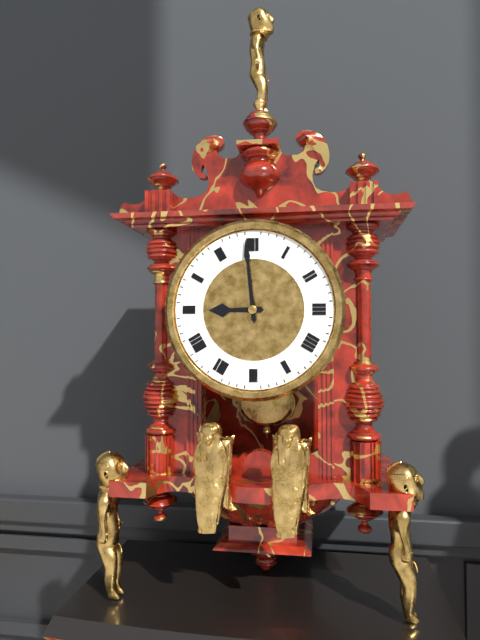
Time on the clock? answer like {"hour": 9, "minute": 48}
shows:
{"hour": 8, "minute": 59}
